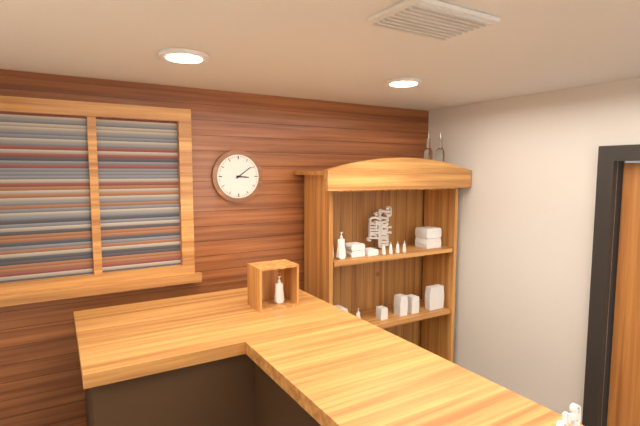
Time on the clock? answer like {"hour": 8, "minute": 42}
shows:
{"hour": 3, "minute": 9}
